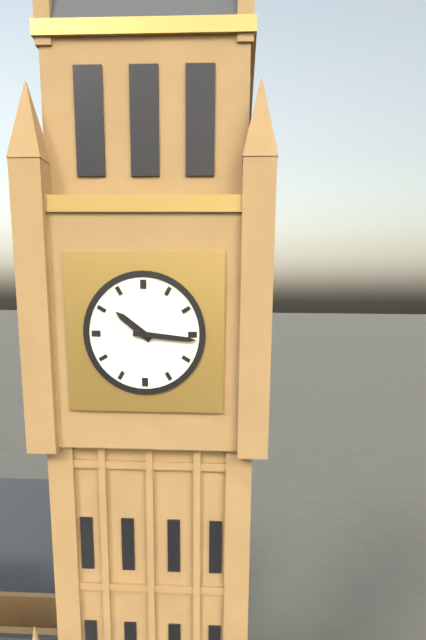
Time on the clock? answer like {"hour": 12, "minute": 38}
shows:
{"hour": 10, "minute": 16}
